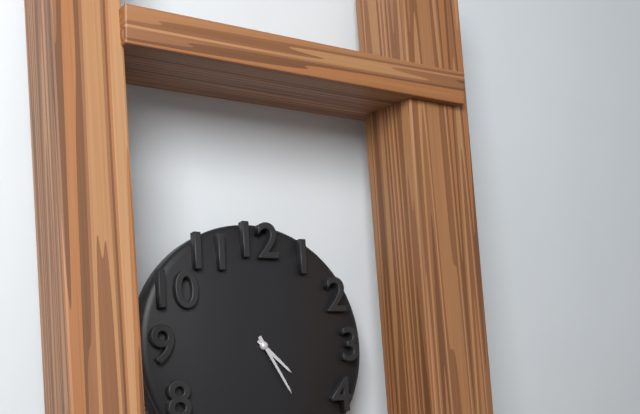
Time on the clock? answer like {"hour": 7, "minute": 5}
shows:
{"hour": 4, "minute": 25}
